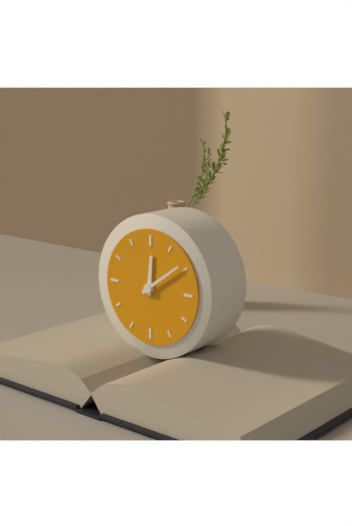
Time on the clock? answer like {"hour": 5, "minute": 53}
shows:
{"hour": 12, "minute": 9}
